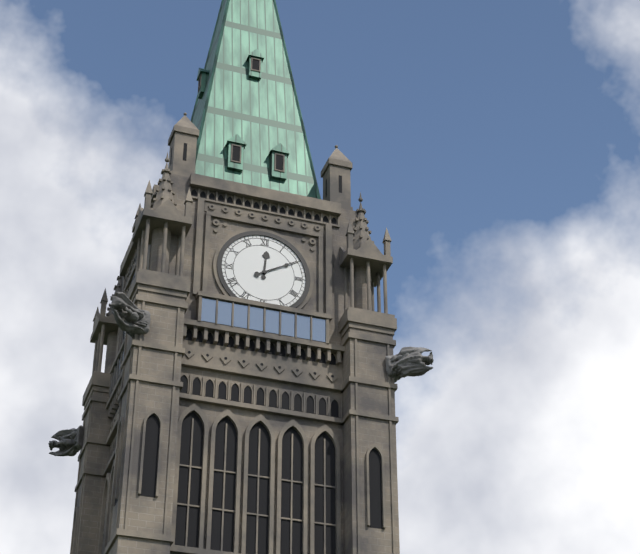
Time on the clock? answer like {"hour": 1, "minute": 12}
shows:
{"hour": 12, "minute": 10}
